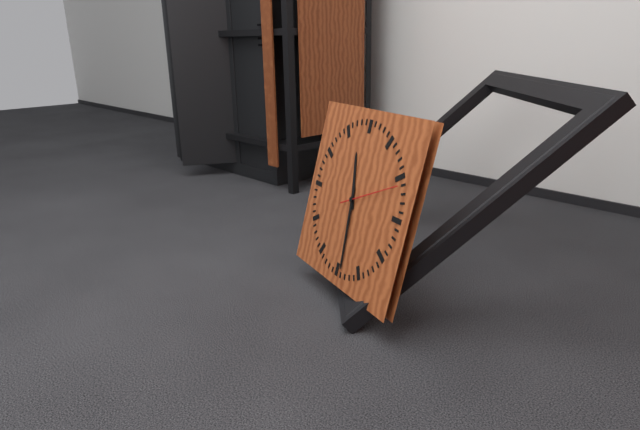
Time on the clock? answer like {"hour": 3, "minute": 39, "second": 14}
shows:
{"hour": 11, "minute": 29, "second": 11}
